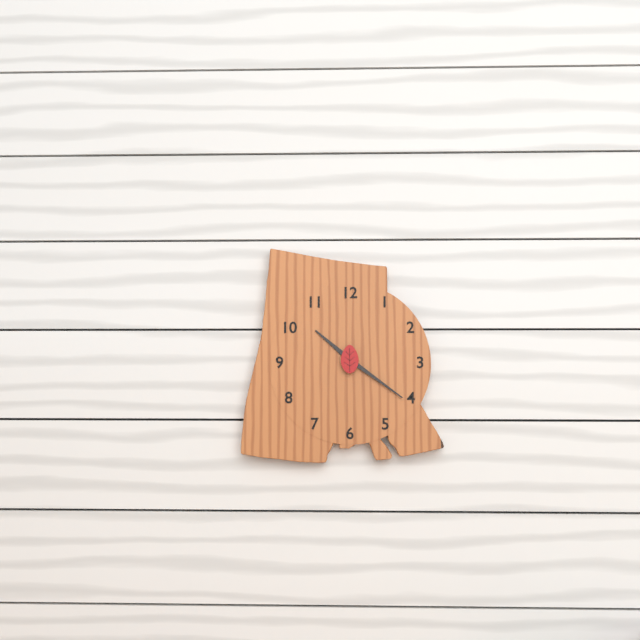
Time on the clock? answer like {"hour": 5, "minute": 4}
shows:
{"hour": 10, "minute": 21}
